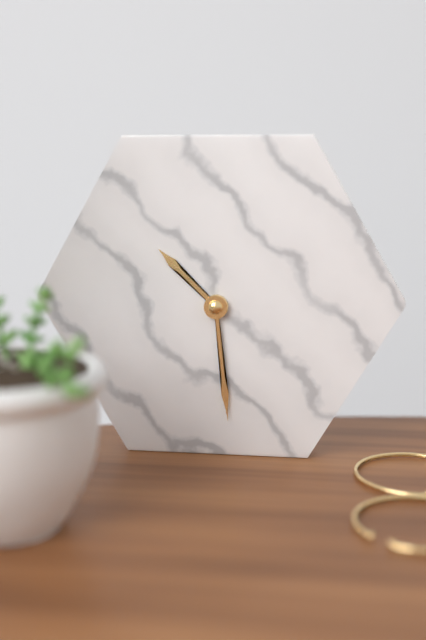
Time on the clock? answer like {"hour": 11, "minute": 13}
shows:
{"hour": 10, "minute": 29}
